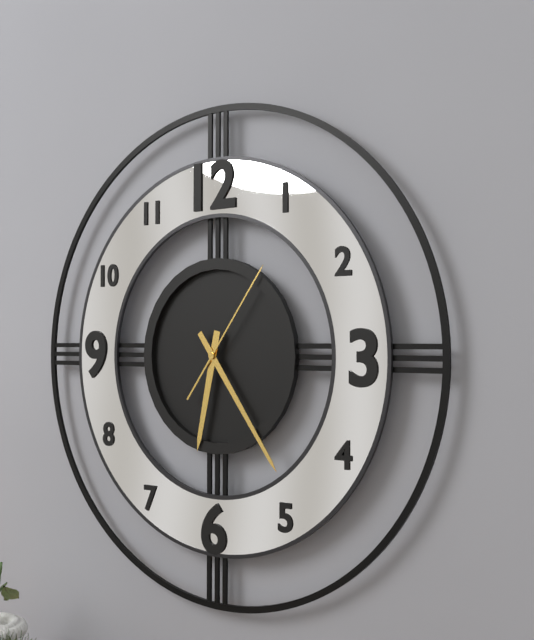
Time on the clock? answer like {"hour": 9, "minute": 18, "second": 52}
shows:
{"hour": 6, "minute": 24, "second": 6}
